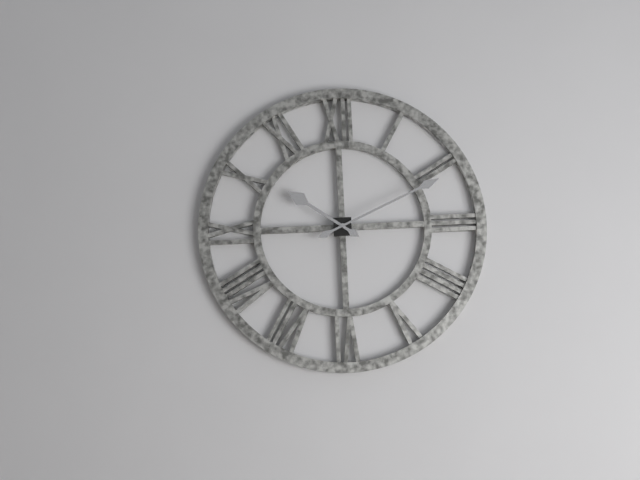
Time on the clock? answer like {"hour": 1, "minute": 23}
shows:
{"hour": 10, "minute": 11}
